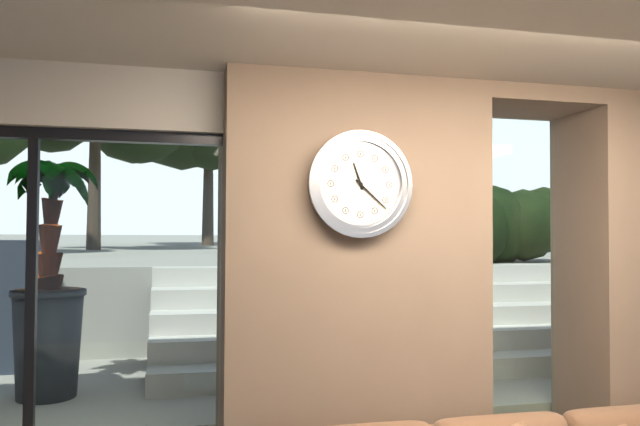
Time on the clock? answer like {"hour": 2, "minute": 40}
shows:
{"hour": 11, "minute": 22}
